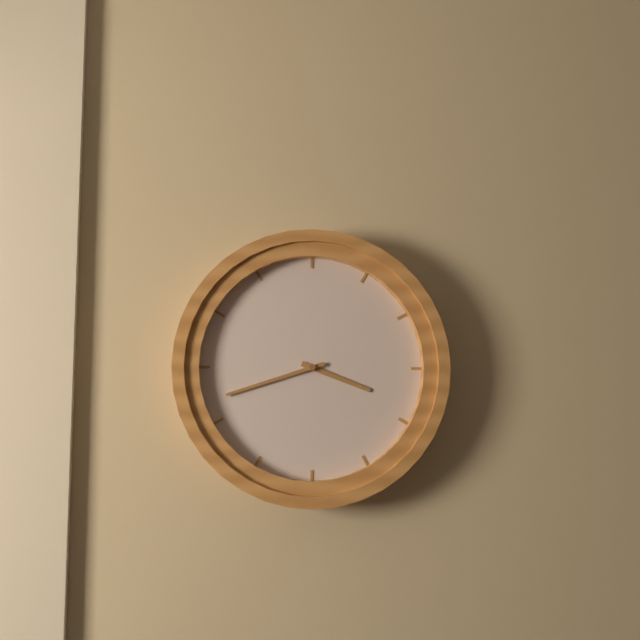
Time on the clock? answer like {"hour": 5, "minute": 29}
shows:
{"hour": 3, "minute": 42}
